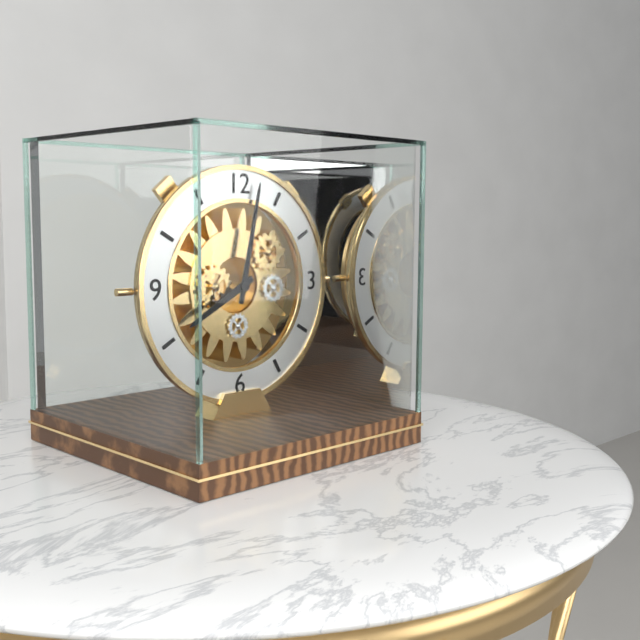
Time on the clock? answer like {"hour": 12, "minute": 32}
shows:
{"hour": 8, "minute": 2}
